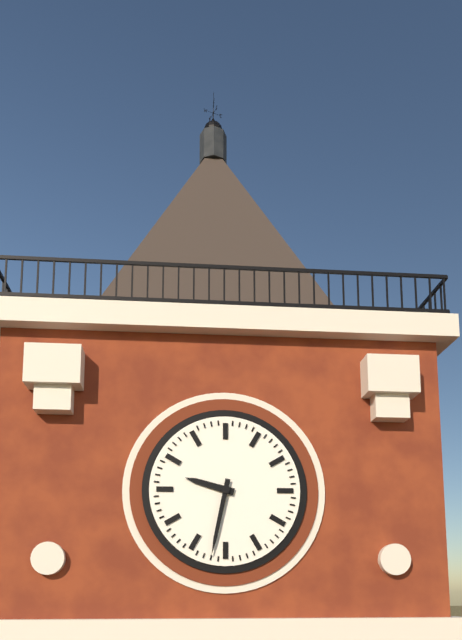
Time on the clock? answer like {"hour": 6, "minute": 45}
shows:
{"hour": 9, "minute": 32}
